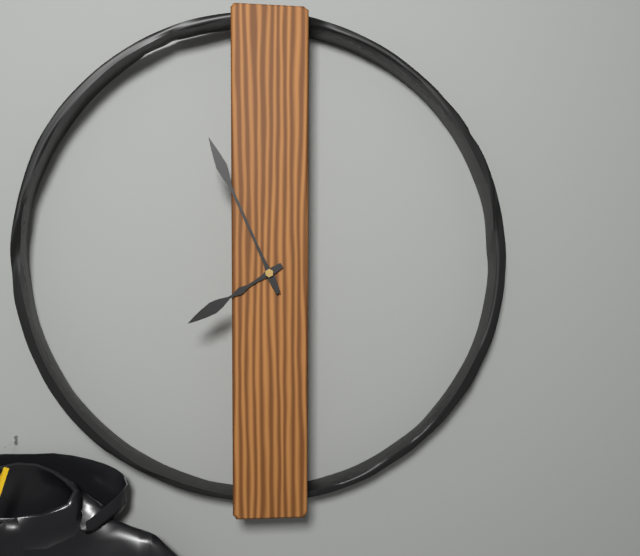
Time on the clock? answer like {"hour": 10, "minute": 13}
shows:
{"hour": 7, "minute": 56}
